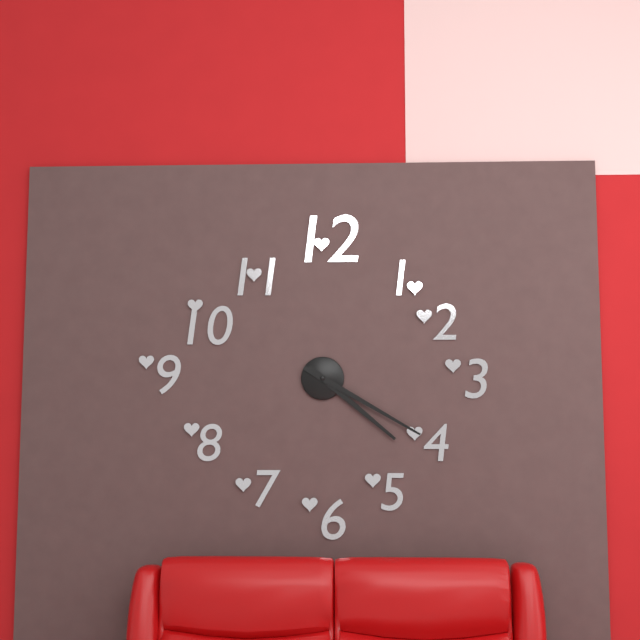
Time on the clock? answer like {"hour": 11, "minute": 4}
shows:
{"hour": 4, "minute": 20}
